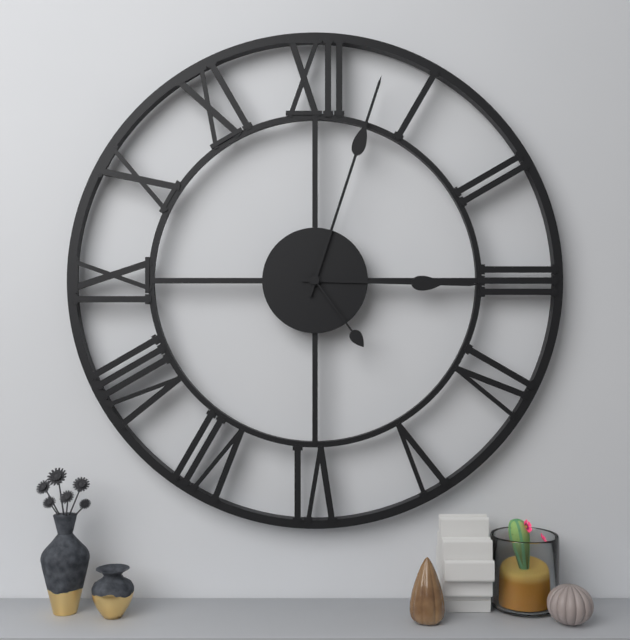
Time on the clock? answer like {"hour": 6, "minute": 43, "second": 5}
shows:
{"hour": 3, "minute": 3, "second": 24}
